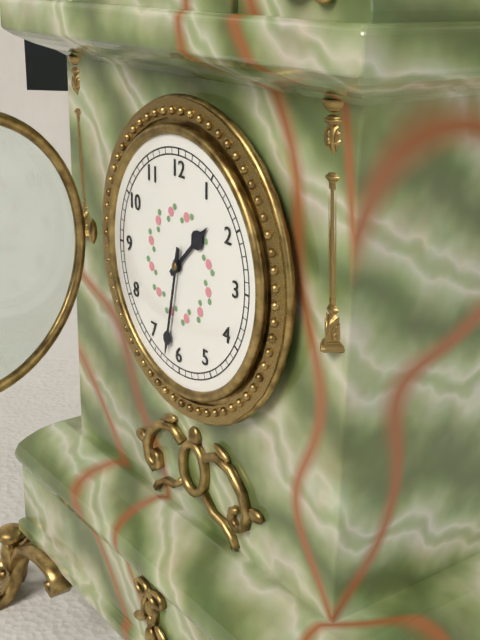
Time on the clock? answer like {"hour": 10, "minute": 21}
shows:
{"hour": 1, "minute": 32}
